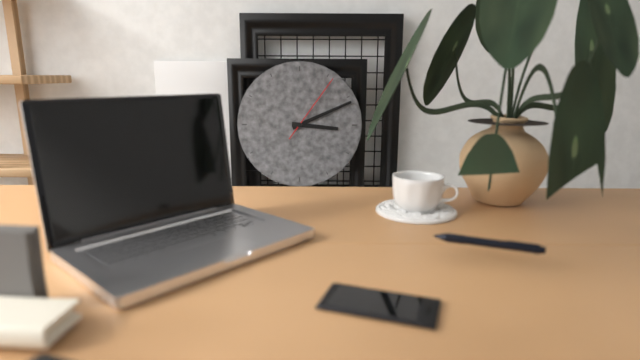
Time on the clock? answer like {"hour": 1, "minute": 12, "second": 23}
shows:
{"hour": 3, "minute": 11, "second": 6}
